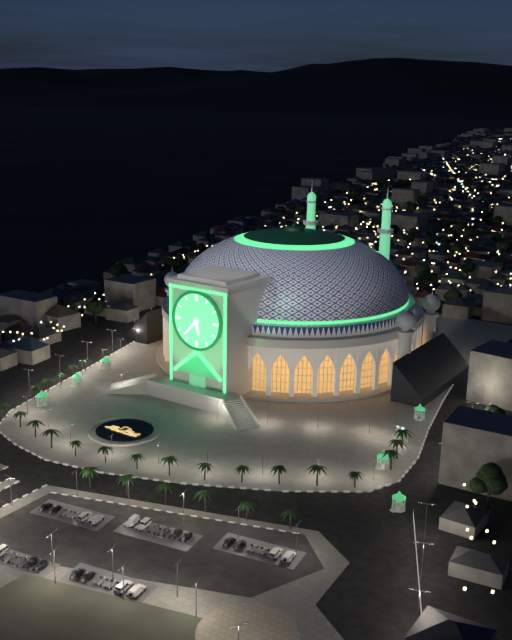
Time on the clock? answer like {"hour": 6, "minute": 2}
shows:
{"hour": 5, "minute": 37}
